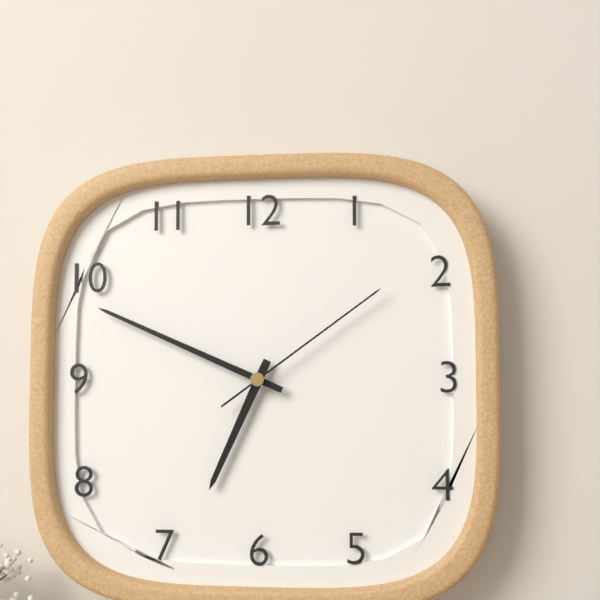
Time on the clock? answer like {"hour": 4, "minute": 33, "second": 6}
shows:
{"hour": 6, "minute": 49, "second": 9}
